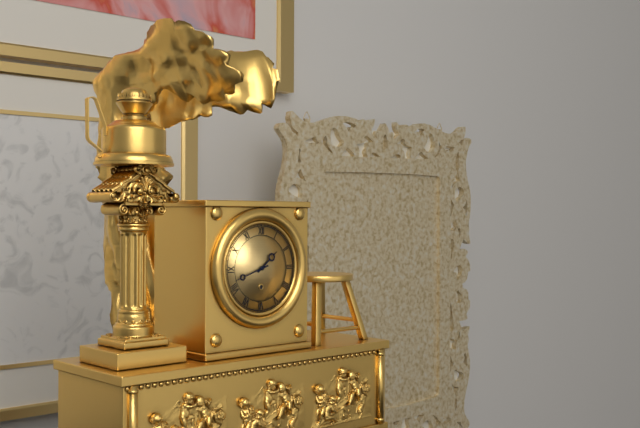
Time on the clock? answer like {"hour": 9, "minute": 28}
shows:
{"hour": 1, "minute": 42}
